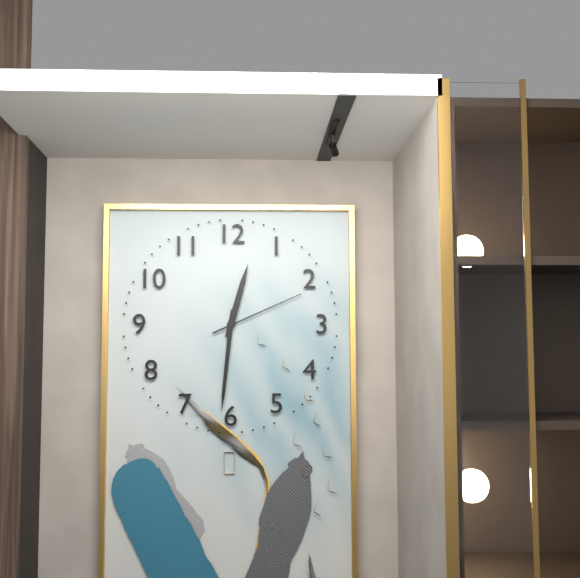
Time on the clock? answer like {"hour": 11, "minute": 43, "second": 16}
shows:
{"hour": 12, "minute": 31, "second": 11}
